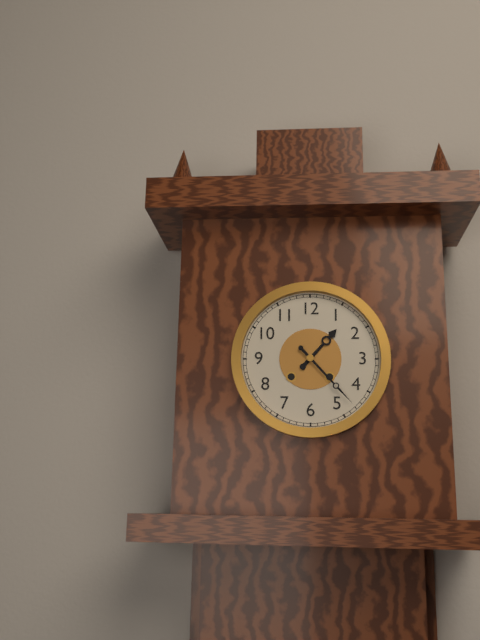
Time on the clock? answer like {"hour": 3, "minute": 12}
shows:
{"hour": 1, "minute": 23}
